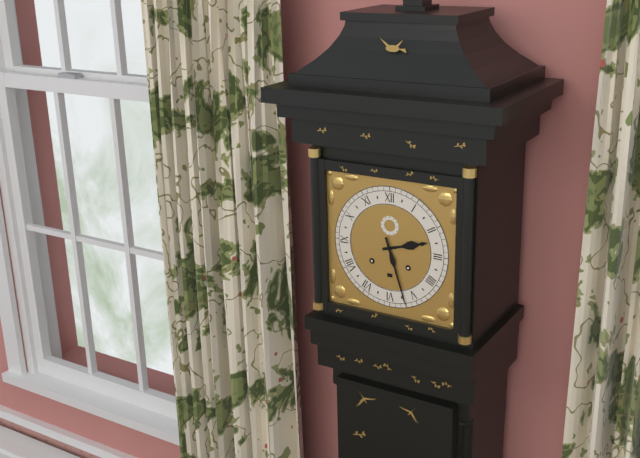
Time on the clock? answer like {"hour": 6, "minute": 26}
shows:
{"hour": 2, "minute": 27}
